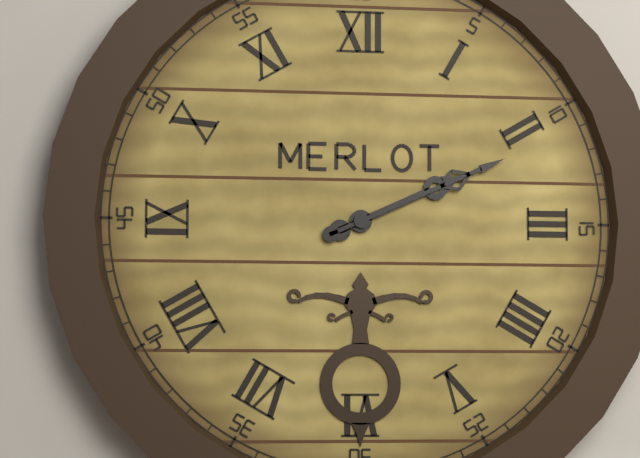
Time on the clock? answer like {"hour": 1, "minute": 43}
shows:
{"hour": 2, "minute": 11}
